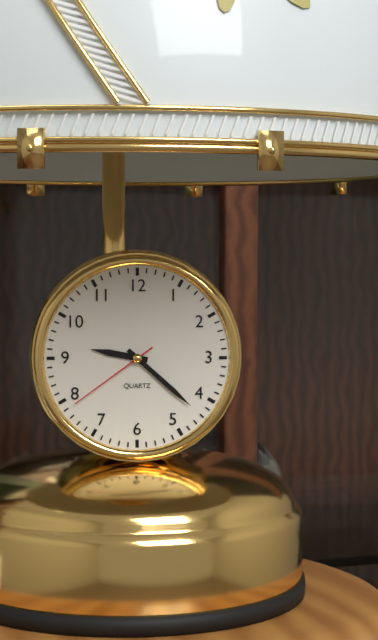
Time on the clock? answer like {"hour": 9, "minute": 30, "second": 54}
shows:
{"hour": 9, "minute": 22, "second": 39}
